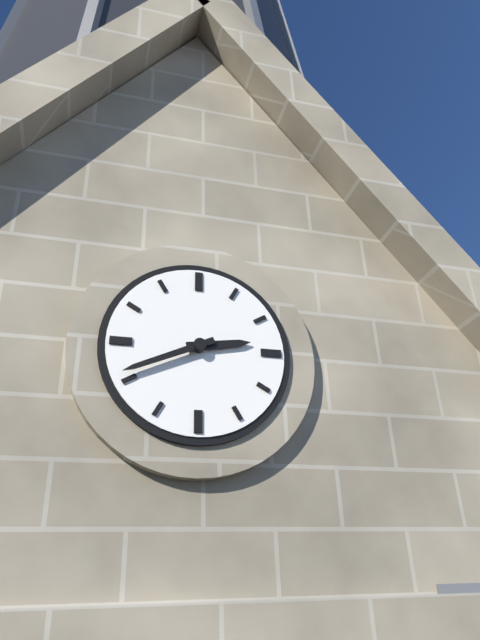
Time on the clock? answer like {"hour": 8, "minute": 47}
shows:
{"hour": 2, "minute": 41}
